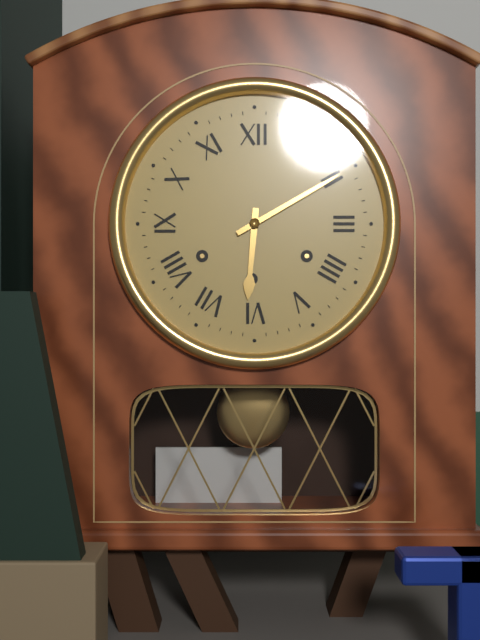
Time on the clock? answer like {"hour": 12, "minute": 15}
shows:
{"hour": 6, "minute": 10}
